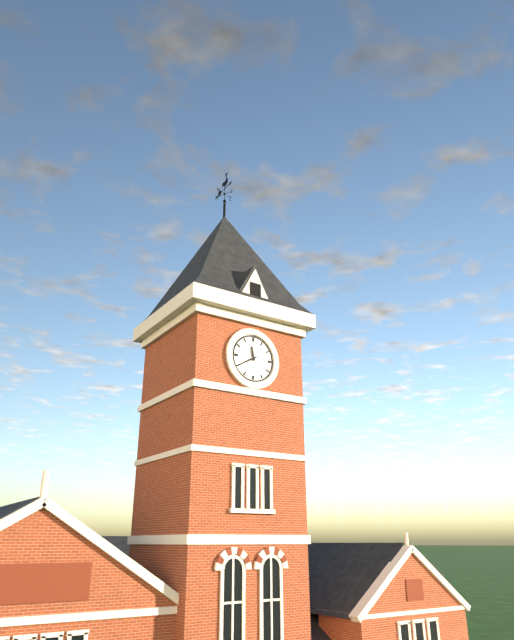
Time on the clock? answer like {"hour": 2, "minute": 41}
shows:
{"hour": 11, "minute": 40}
